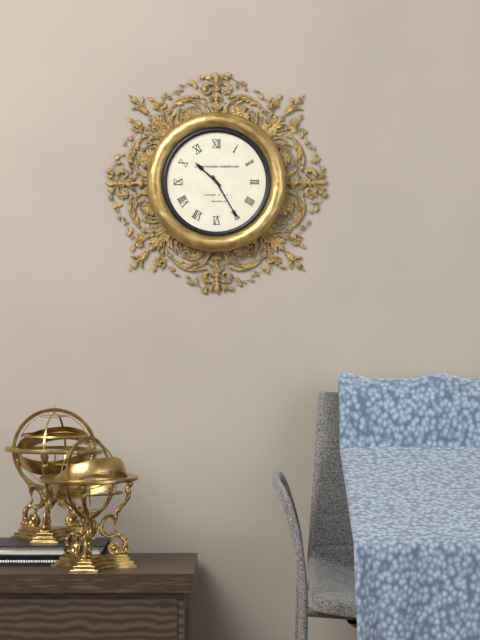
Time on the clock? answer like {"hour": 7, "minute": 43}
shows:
{"hour": 10, "minute": 25}
